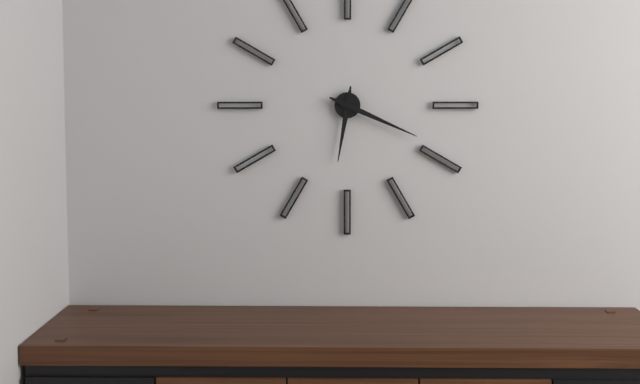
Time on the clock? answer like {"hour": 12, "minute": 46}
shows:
{"hour": 6, "minute": 19}
